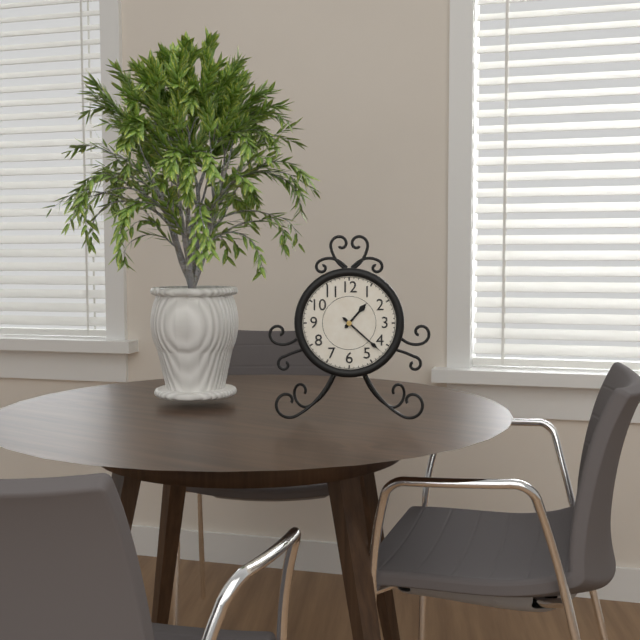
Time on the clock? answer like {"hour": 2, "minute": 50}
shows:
{"hour": 1, "minute": 22}
